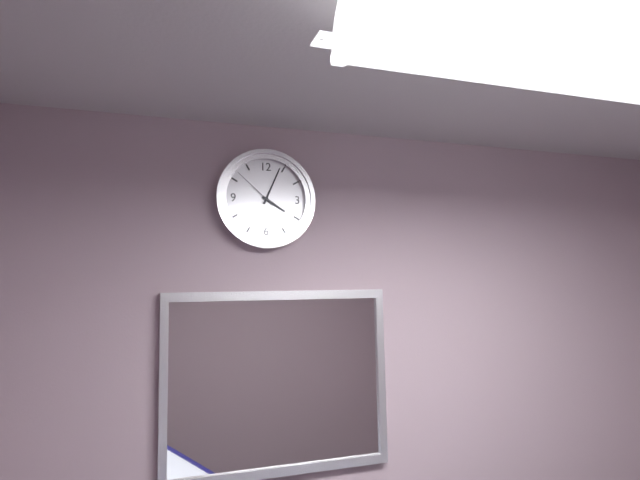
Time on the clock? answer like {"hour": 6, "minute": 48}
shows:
{"hour": 4, "minute": 4}
